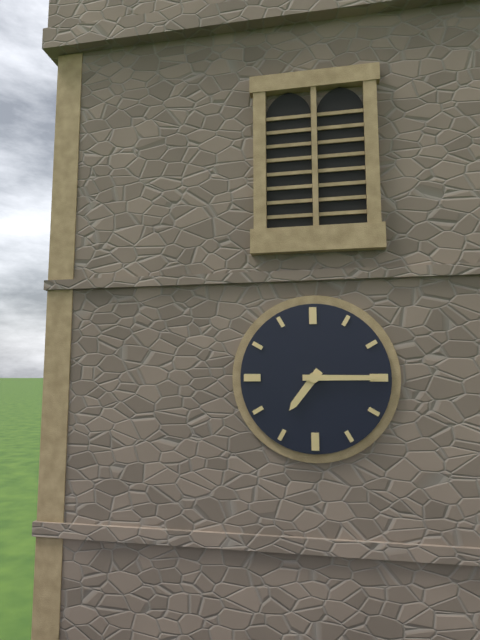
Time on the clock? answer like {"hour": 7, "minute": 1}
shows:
{"hour": 7, "minute": 15}
